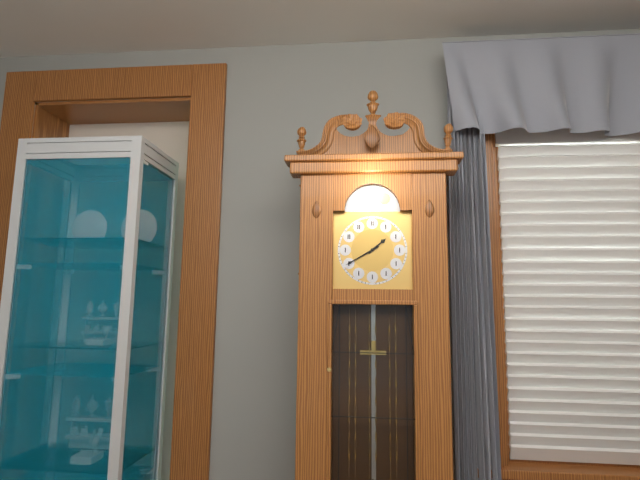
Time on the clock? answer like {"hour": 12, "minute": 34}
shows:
{"hour": 1, "minute": 40}
